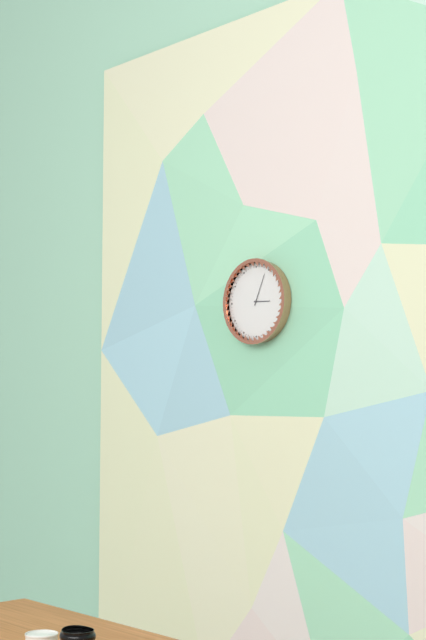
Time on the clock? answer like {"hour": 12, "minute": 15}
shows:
{"hour": 3, "minute": 4}
